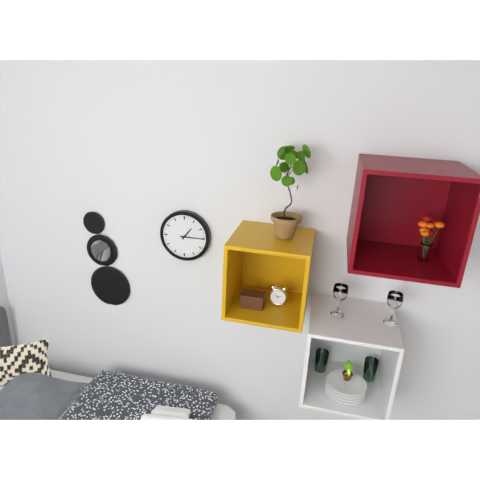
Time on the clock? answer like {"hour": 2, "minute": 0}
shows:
{"hour": 1, "minute": 15}
